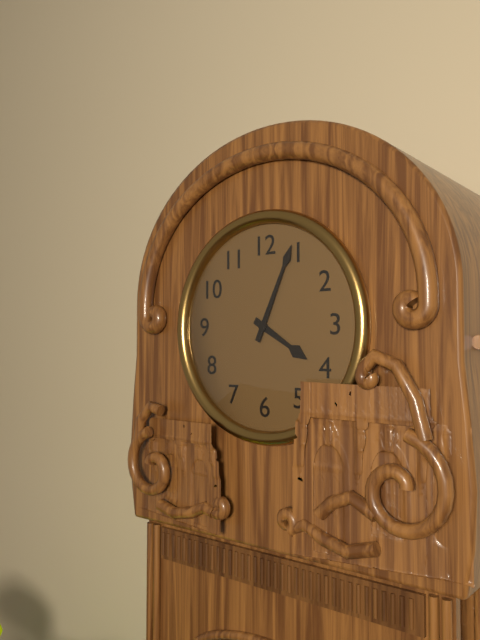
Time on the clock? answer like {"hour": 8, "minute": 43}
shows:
{"hour": 4, "minute": 4}
